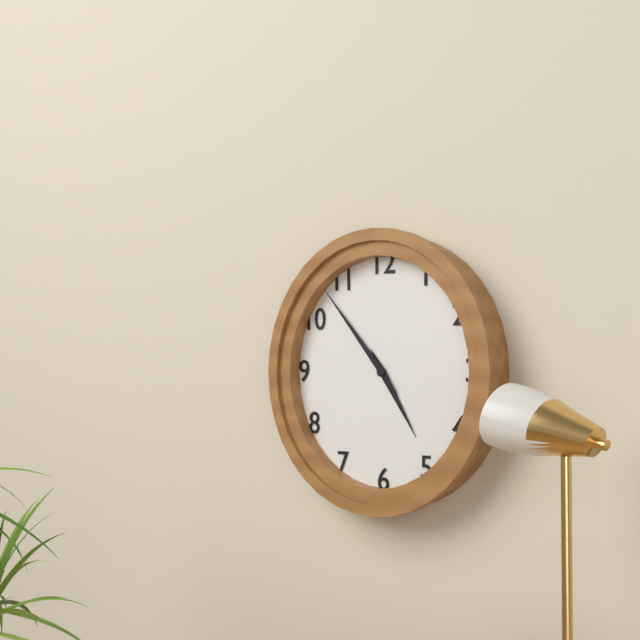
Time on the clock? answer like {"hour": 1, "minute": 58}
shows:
{"hour": 4, "minute": 53}
